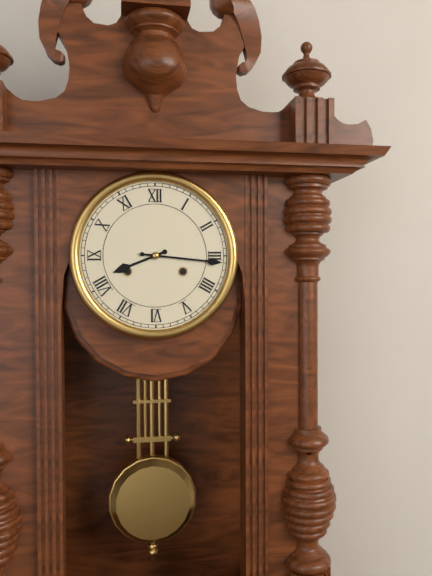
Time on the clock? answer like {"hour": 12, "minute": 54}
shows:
{"hour": 8, "minute": 16}
